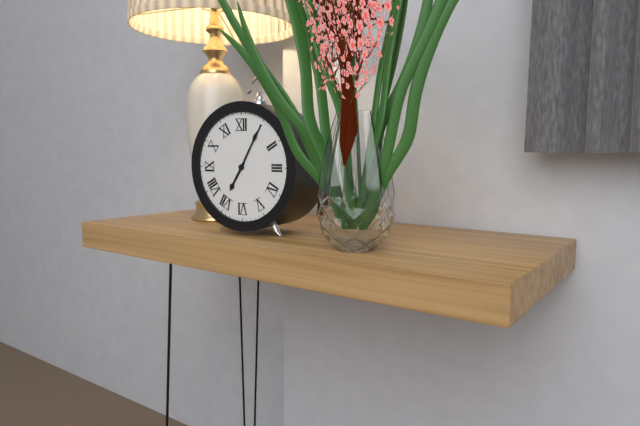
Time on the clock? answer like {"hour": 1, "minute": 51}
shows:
{"hour": 7, "minute": 5}
